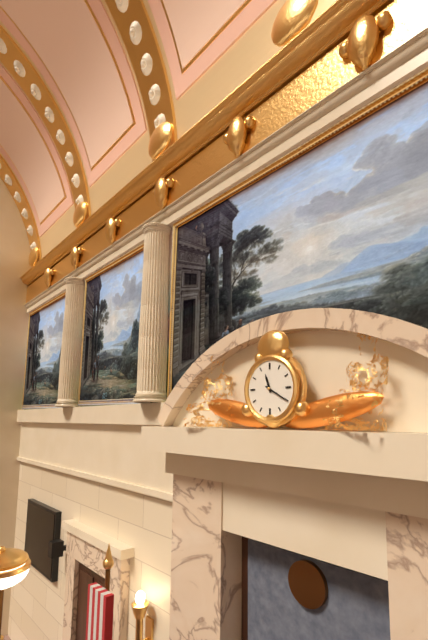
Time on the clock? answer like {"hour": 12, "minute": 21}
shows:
{"hour": 11, "minute": 20}
